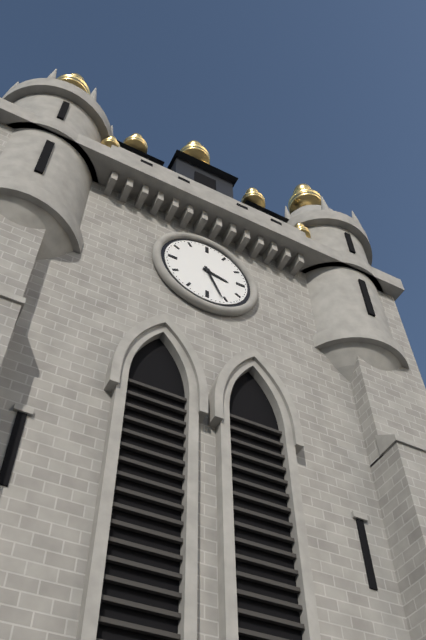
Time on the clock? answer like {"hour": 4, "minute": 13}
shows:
{"hour": 3, "minute": 26}
